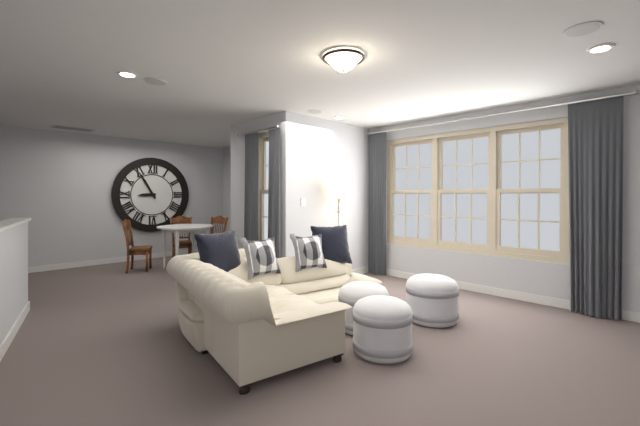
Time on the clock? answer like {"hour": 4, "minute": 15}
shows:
{"hour": 8, "minute": 55}
